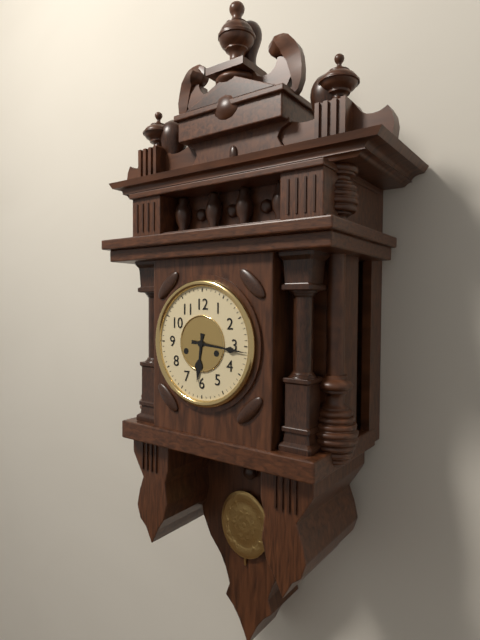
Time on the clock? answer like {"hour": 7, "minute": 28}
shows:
{"hour": 6, "minute": 16}
